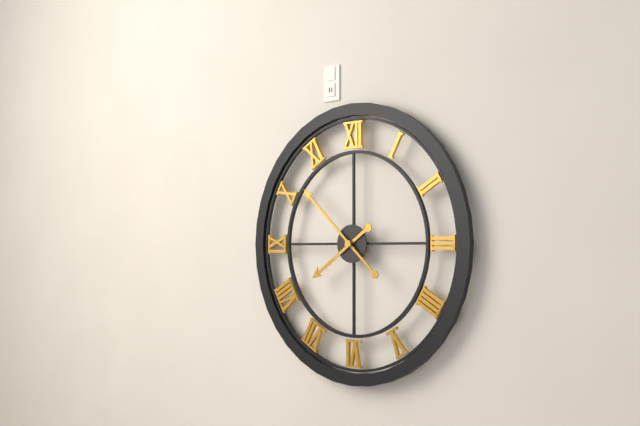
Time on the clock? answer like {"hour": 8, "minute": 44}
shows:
{"hour": 7, "minute": 52}
